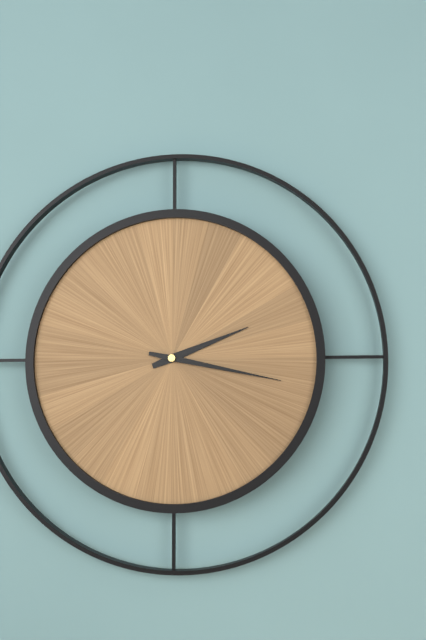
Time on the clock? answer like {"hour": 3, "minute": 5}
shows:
{"hour": 2, "minute": 17}
